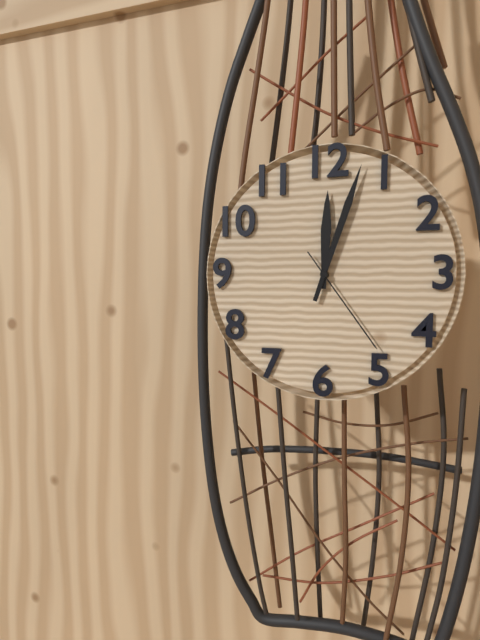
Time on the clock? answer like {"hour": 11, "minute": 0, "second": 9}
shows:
{"hour": 12, "minute": 3, "second": 24}
